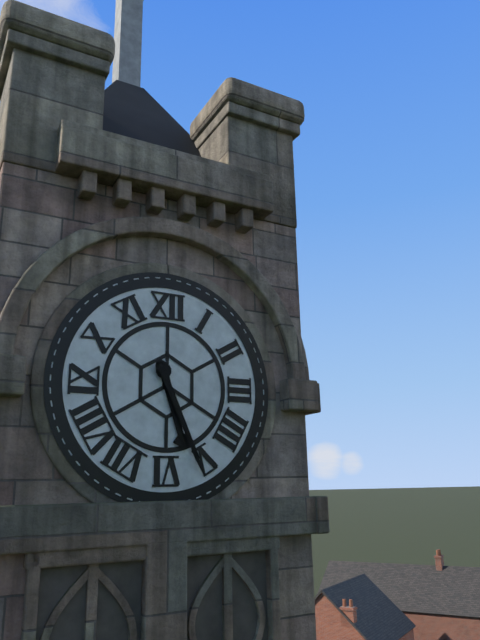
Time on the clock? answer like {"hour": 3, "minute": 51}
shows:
{"hour": 5, "minute": 26}
